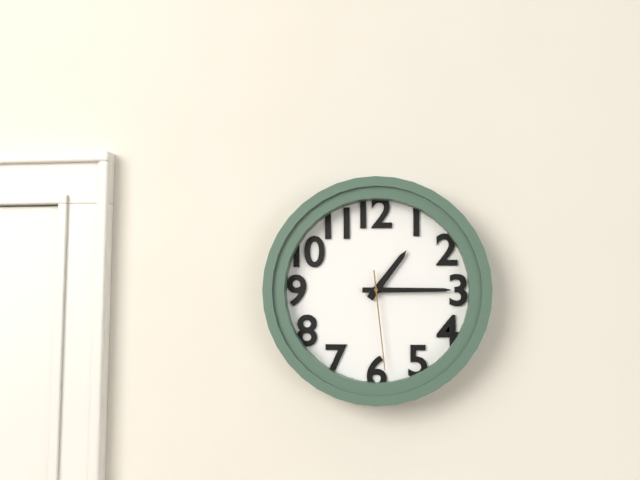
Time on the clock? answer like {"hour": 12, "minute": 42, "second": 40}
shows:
{"hour": 1, "minute": 15, "second": 29}
